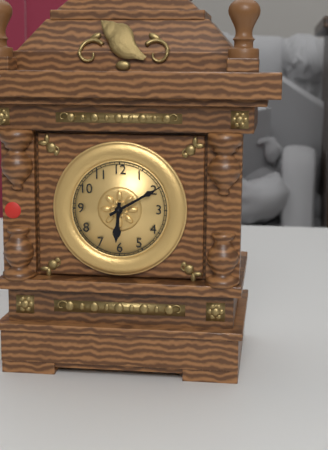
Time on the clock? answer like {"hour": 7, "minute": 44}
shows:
{"hour": 6, "minute": 10}
